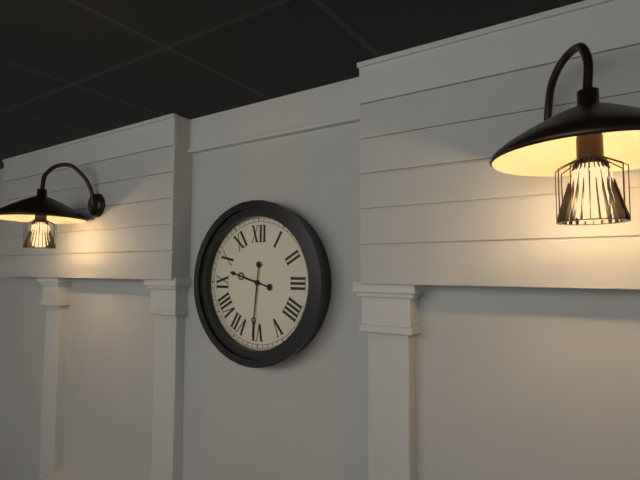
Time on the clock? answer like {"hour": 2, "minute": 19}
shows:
{"hour": 9, "minute": 31}
